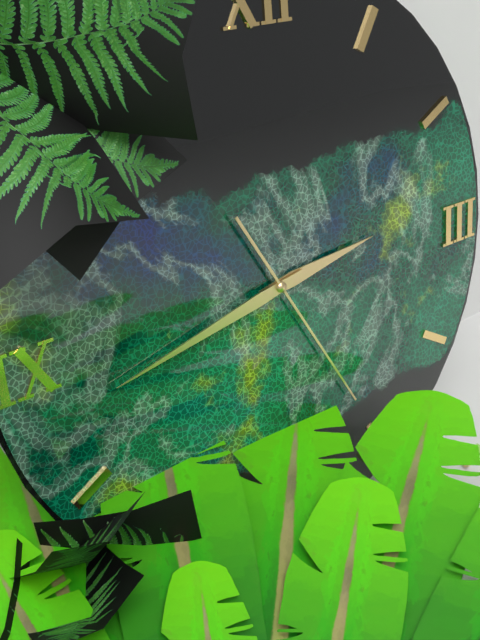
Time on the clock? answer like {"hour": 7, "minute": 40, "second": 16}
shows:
{"hour": 2, "minute": 43, "second": 25}
